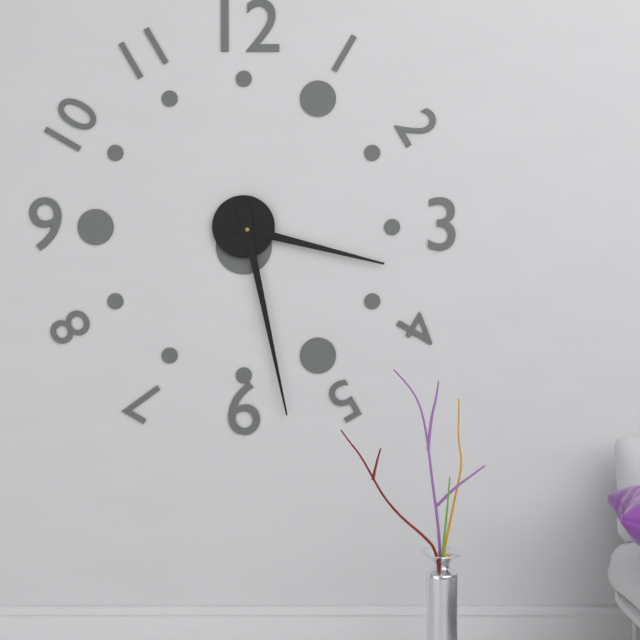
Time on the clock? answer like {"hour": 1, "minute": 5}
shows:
{"hour": 3, "minute": 28}
